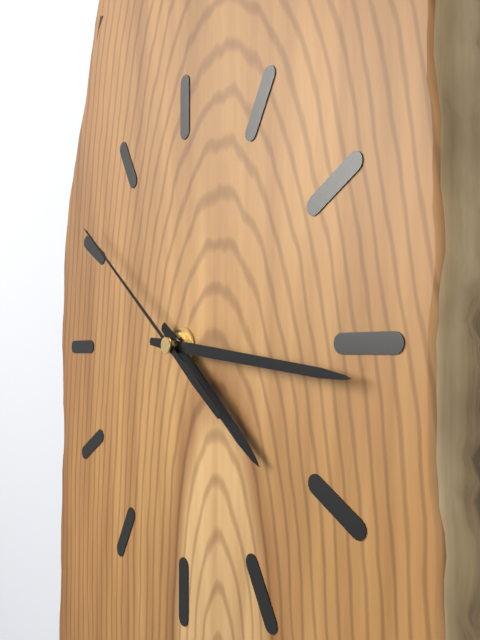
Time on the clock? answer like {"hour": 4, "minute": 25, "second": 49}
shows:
{"hour": 4, "minute": 16, "second": 51}
